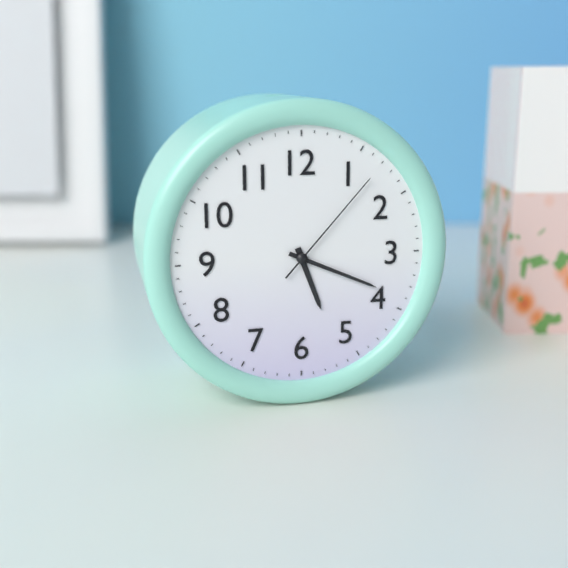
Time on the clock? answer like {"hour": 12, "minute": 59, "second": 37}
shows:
{"hour": 5, "minute": 19, "second": 7}
